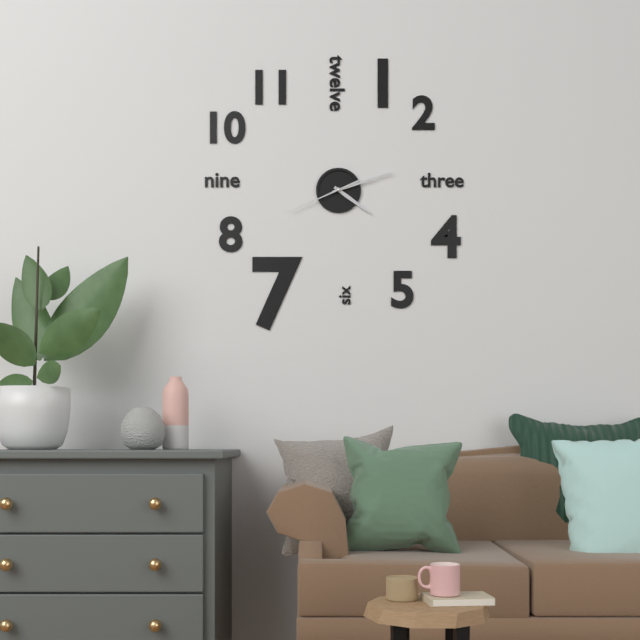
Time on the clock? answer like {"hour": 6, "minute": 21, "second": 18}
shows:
{"hour": 4, "minute": 12, "second": 41}
